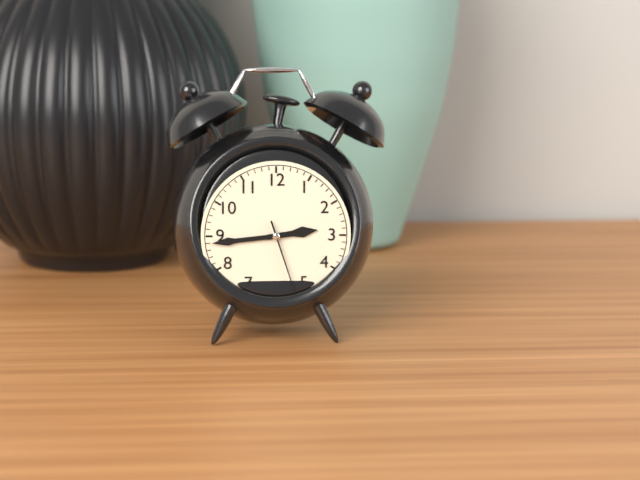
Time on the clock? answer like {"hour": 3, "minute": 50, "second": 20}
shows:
{"hour": 2, "minute": 44, "second": 27}
